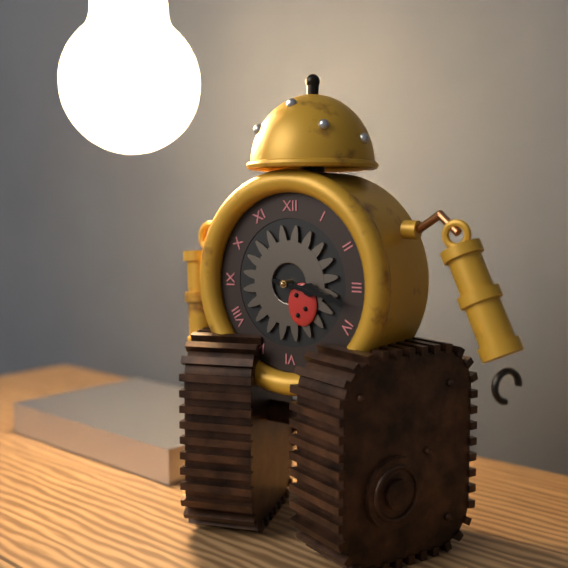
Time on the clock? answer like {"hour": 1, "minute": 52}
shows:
{"hour": 3, "minute": 17}
